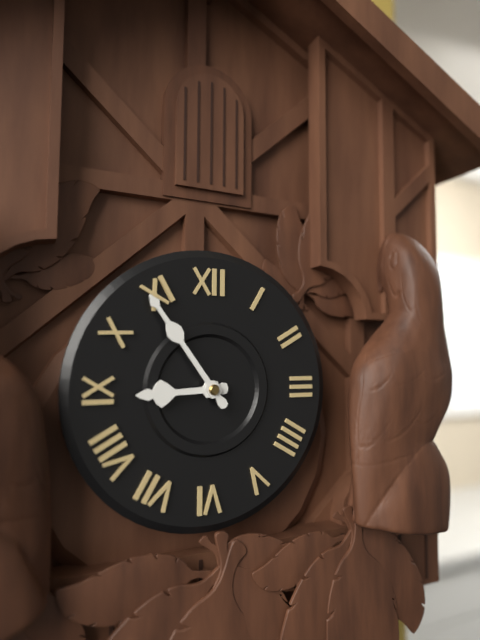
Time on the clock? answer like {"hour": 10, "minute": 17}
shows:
{"hour": 8, "minute": 54}
